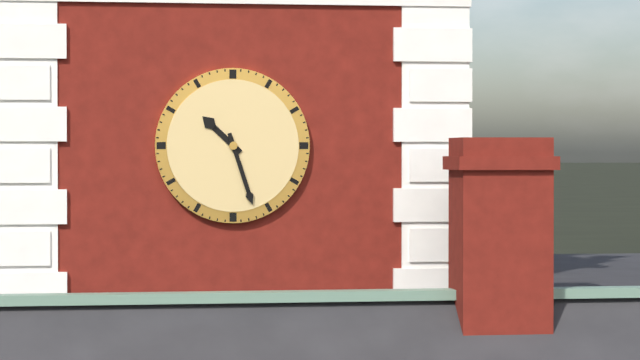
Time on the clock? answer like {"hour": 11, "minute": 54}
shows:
{"hour": 10, "minute": 27}
